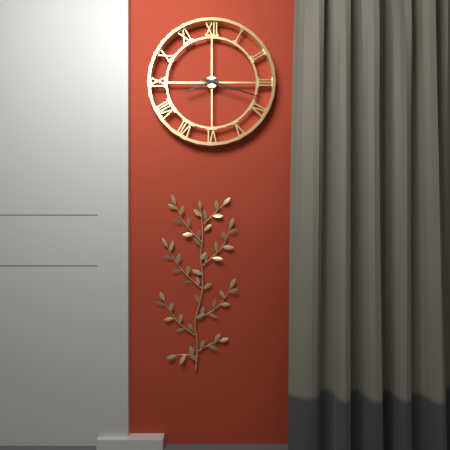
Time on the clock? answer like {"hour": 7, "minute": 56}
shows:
{"hour": 8, "minute": 18}
